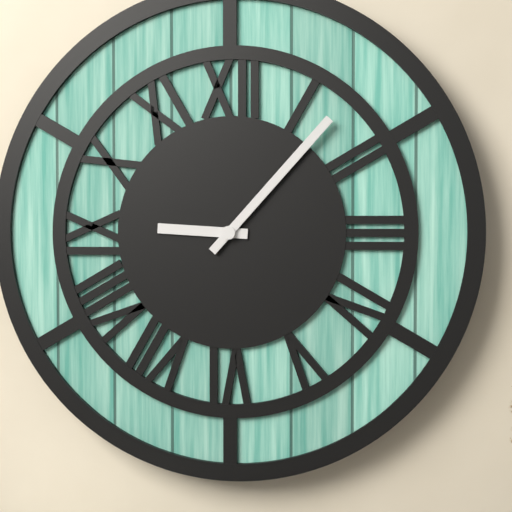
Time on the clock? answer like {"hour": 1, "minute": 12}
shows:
{"hour": 9, "minute": 7}
